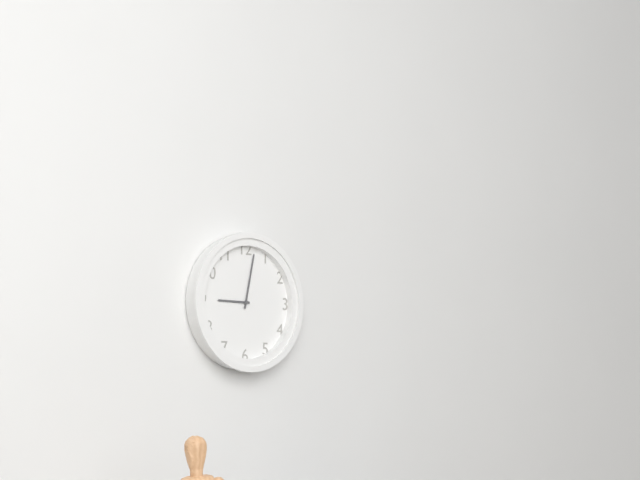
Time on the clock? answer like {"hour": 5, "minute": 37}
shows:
{"hour": 9, "minute": 2}
